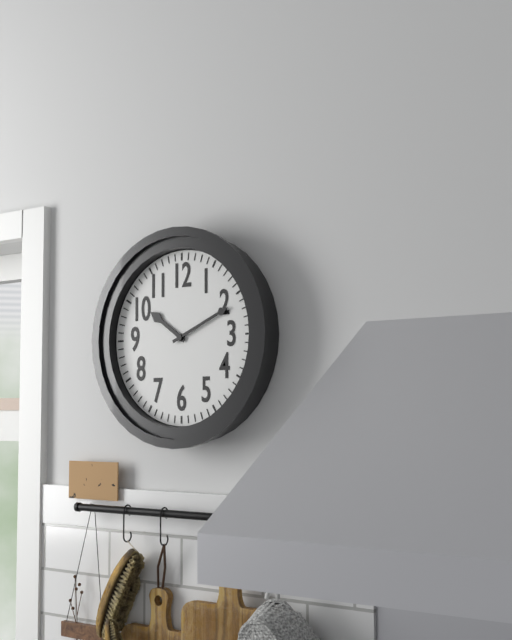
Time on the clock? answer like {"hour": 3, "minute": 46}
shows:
{"hour": 10, "minute": 11}
